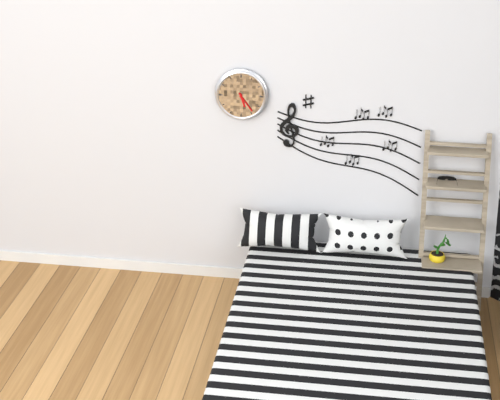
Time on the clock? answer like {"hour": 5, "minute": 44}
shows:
{"hour": 5, "minute": 24}
